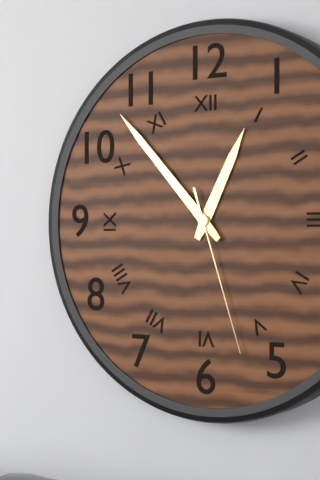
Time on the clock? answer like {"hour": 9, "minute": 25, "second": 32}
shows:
{"hour": 12, "minute": 53, "second": 27}
